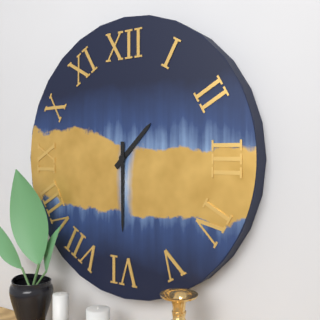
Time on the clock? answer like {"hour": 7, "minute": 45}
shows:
{"hour": 1, "minute": 30}
